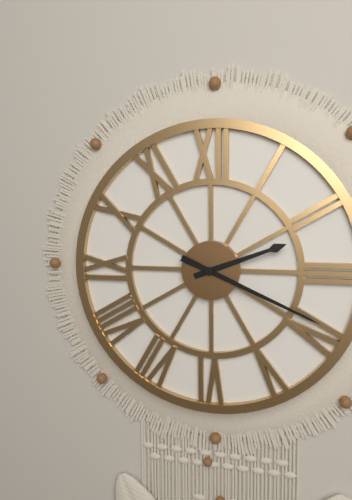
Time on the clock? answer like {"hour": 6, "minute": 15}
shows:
{"hour": 2, "minute": 19}
